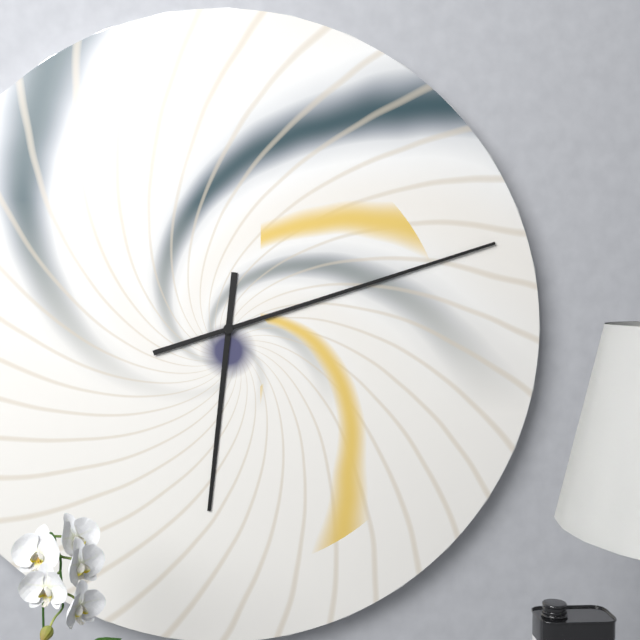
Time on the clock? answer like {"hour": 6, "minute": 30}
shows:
{"hour": 6, "minute": 12}
